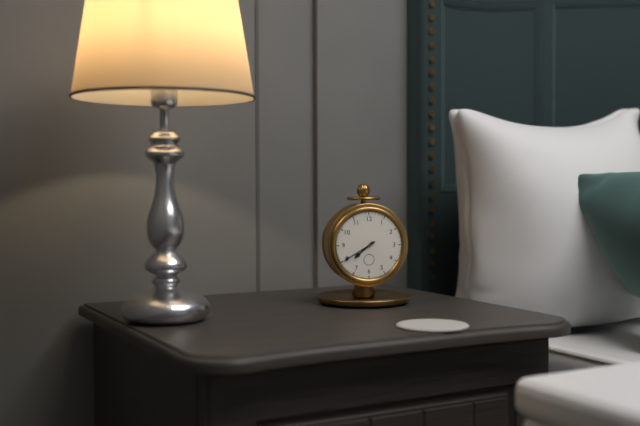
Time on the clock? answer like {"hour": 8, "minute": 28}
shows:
{"hour": 7, "minute": 40}
